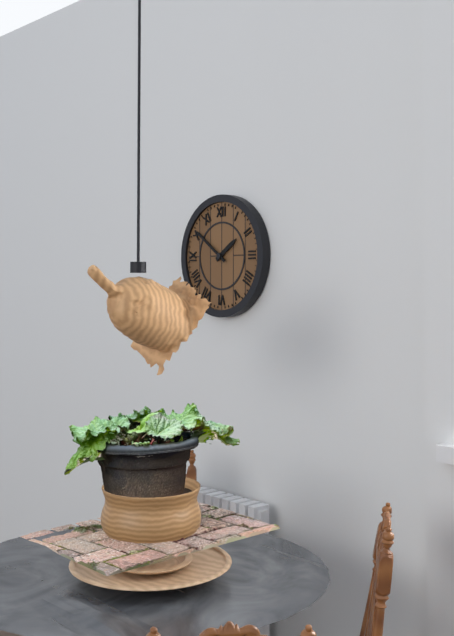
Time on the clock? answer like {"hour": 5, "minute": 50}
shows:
{"hour": 1, "minute": 51}
